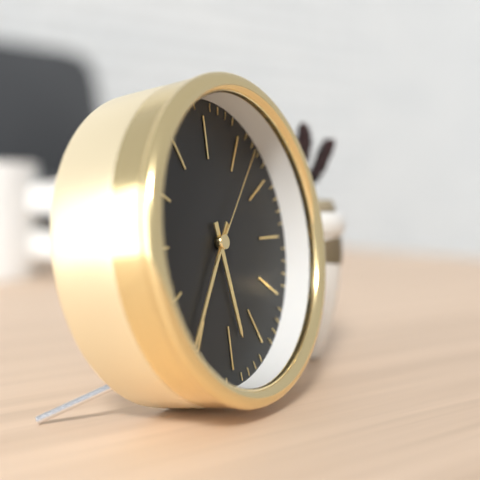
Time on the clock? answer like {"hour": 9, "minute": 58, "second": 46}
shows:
{"hour": 5, "minute": 36, "second": 7}
